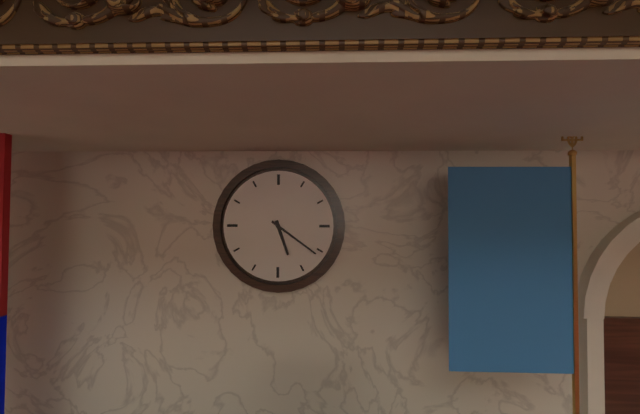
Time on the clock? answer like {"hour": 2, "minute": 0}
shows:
{"hour": 5, "minute": 21}
